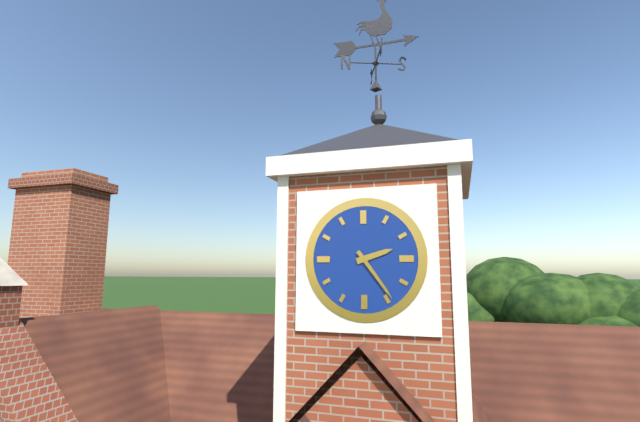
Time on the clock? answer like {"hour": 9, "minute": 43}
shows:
{"hour": 2, "minute": 24}
